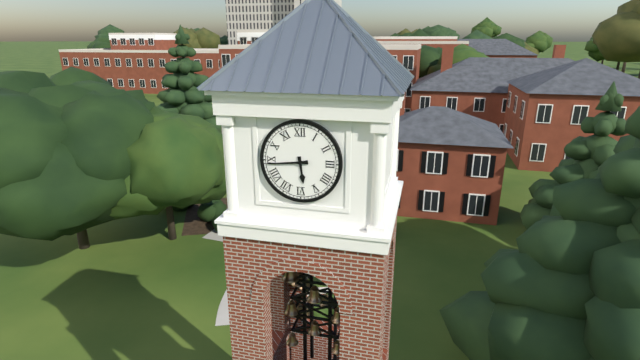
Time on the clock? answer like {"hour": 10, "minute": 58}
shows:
{"hour": 5, "minute": 44}
